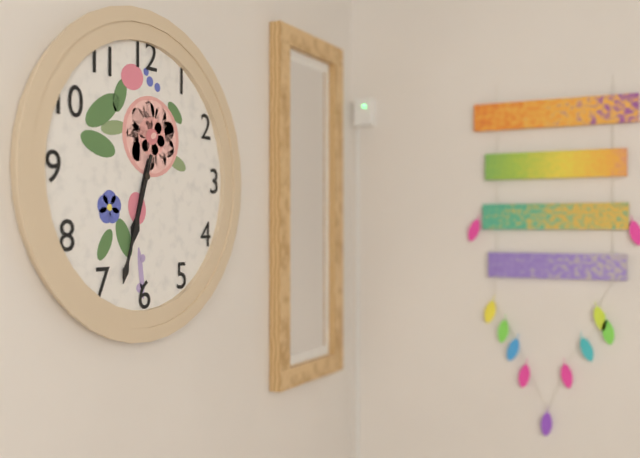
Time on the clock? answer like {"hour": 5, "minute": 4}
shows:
{"hour": 6, "minute": 33}
